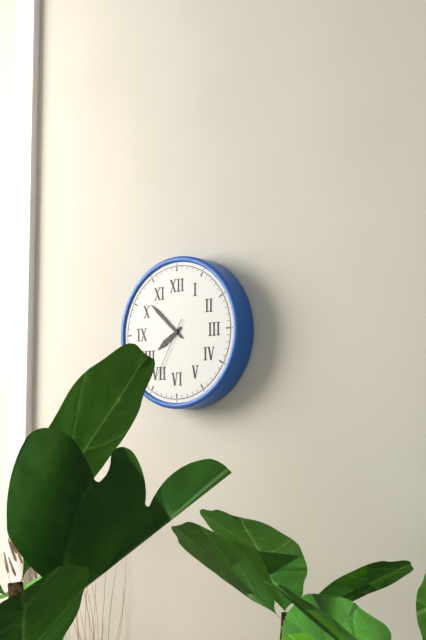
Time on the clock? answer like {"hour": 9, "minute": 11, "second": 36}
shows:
{"hour": 7, "minute": 52, "second": 35}
